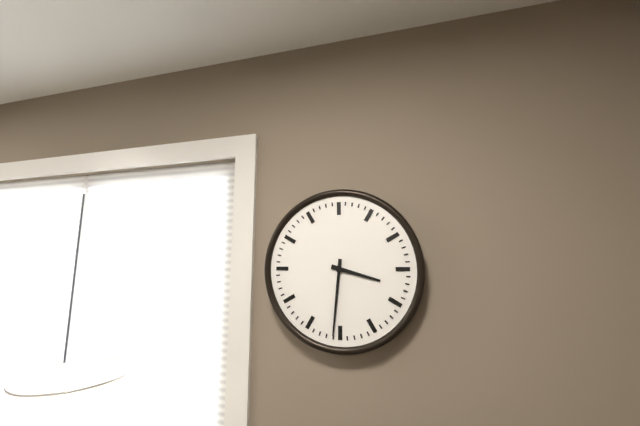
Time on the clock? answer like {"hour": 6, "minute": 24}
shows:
{"hour": 3, "minute": 31}
